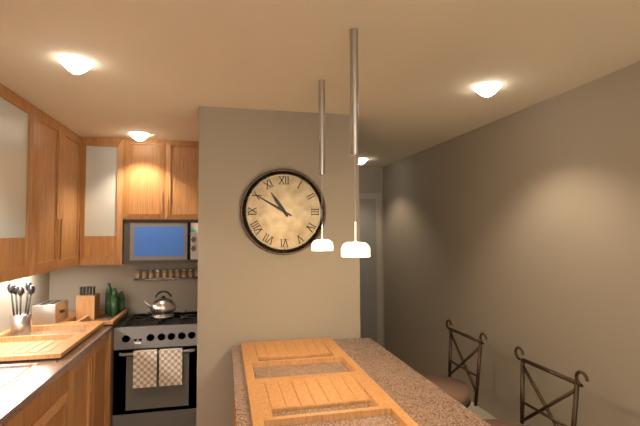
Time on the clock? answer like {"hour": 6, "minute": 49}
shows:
{"hour": 10, "minute": 50}
